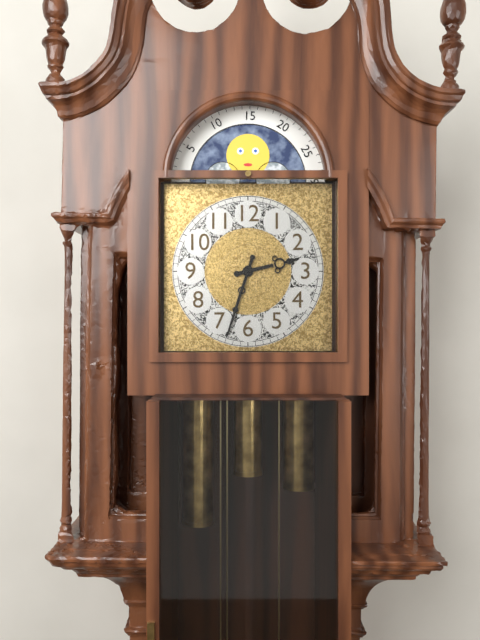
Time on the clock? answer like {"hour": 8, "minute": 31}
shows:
{"hour": 2, "minute": 33}
